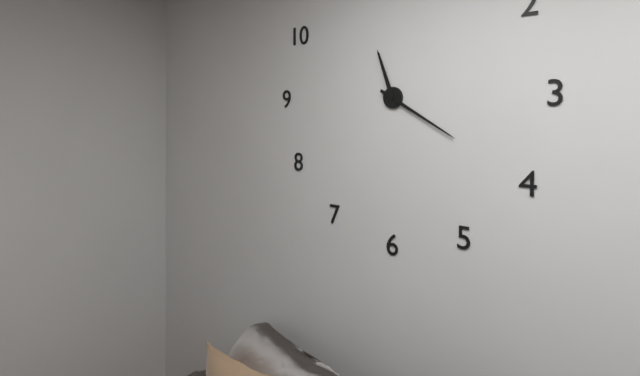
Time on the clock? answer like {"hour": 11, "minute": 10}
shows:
{"hour": 11, "minute": 20}
